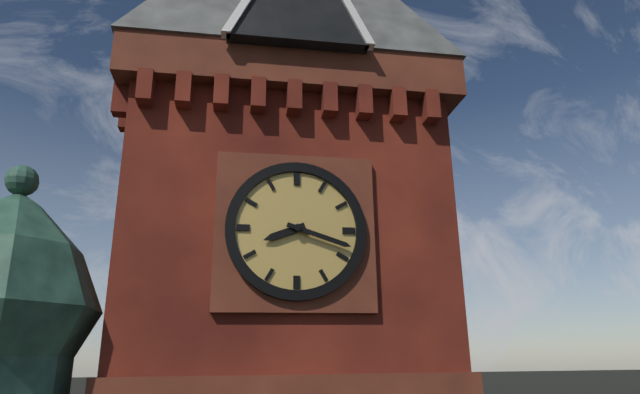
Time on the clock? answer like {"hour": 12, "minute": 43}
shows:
{"hour": 8, "minute": 18}
